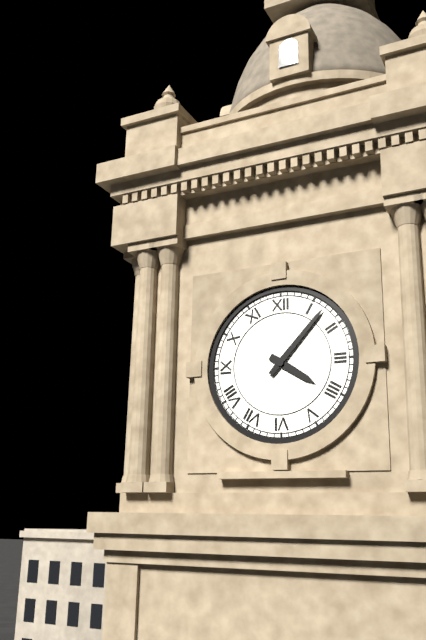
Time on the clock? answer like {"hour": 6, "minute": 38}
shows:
{"hour": 4, "minute": 7}
